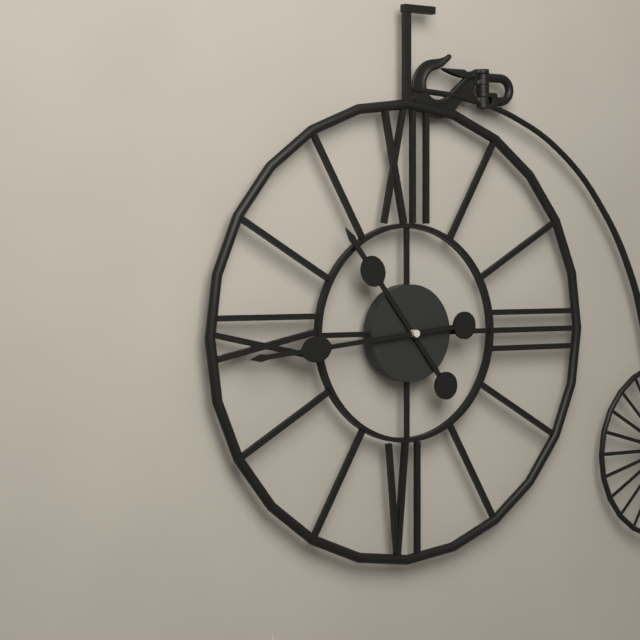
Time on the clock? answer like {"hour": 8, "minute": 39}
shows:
{"hour": 10, "minute": 44}
